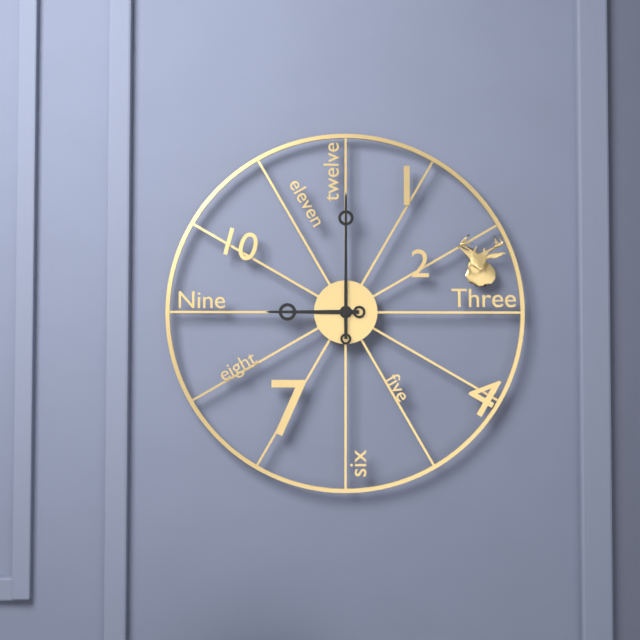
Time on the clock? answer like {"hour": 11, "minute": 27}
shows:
{"hour": 9, "minute": 0}
